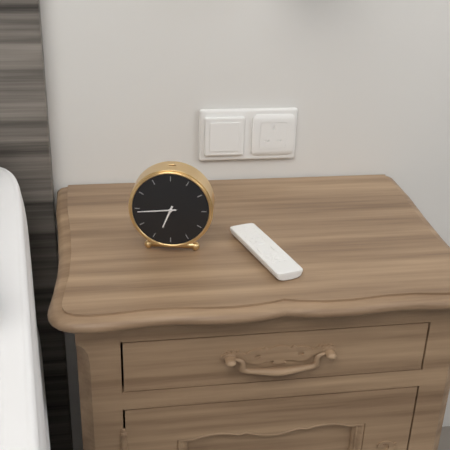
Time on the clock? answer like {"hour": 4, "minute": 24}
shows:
{"hour": 6, "minute": 44}
